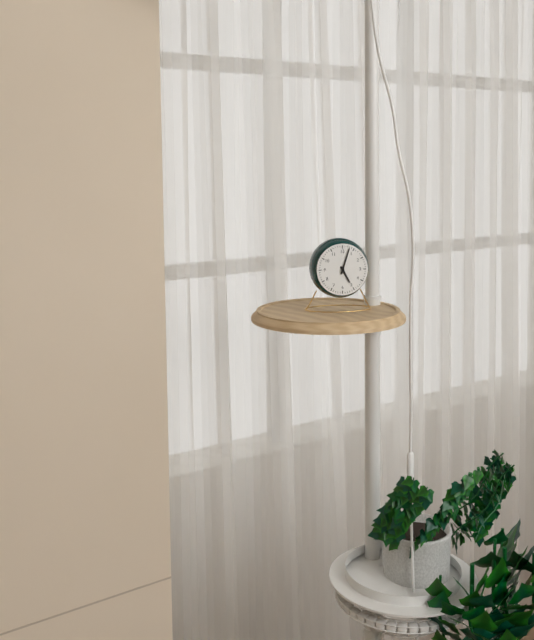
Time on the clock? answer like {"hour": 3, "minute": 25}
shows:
{"hour": 5, "minute": 3}
